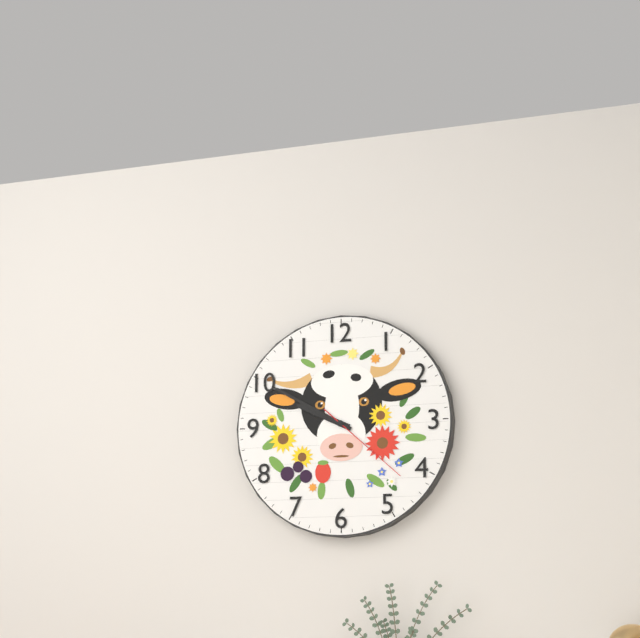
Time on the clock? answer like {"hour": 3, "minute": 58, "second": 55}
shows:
{"hour": 9, "minute": 50, "second": 22}
